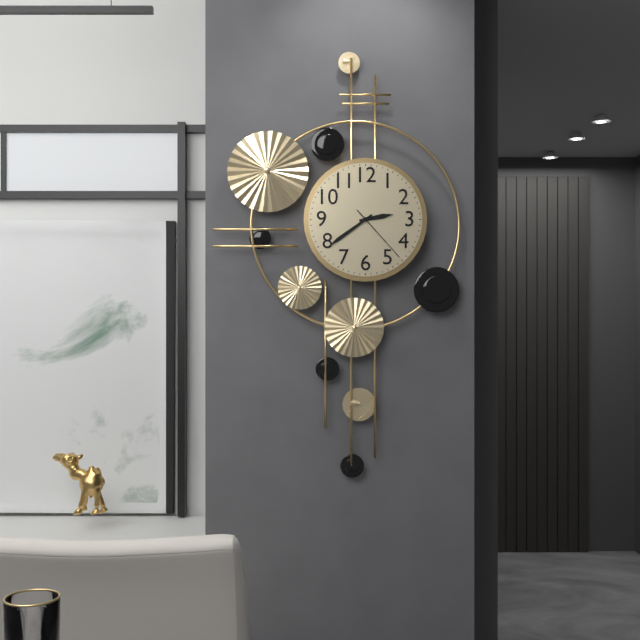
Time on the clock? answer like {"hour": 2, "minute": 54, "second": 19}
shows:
{"hour": 2, "minute": 39, "second": 23}
